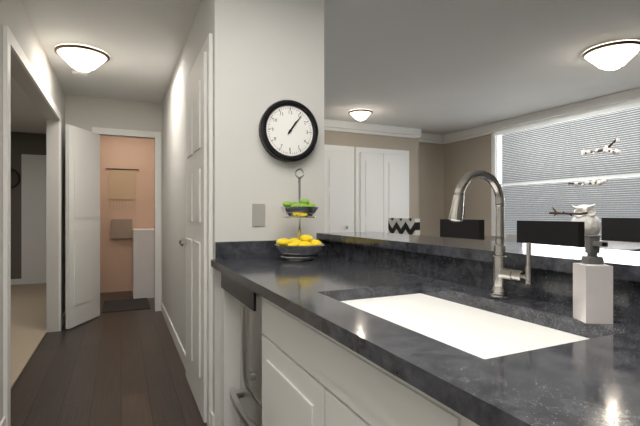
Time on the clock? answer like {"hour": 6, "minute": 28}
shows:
{"hour": 1, "minute": 6}
